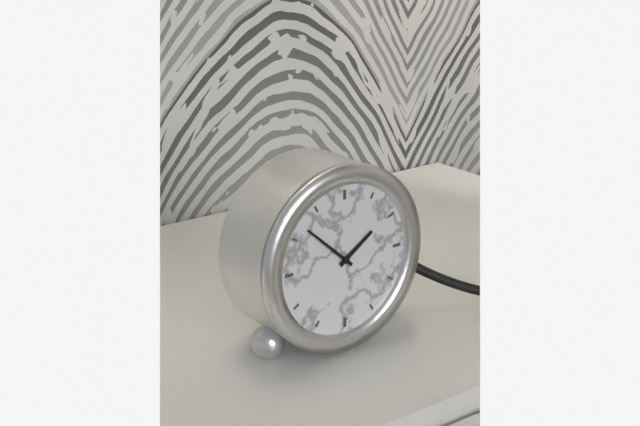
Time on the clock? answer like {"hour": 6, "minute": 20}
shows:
{"hour": 1, "minute": 52}
